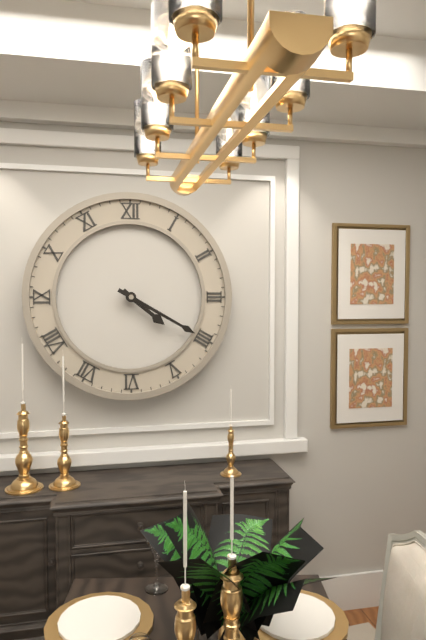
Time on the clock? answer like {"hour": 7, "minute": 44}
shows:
{"hour": 4, "minute": 20}
